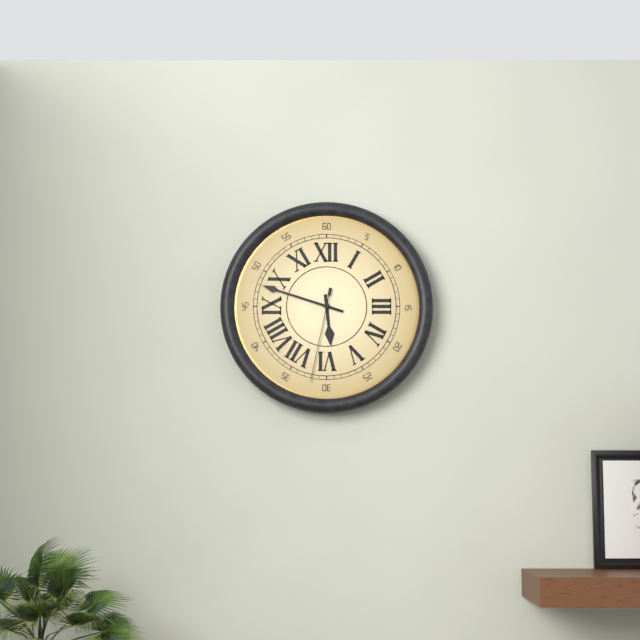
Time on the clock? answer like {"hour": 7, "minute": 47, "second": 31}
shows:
{"hour": 5, "minute": 48, "second": 32}
